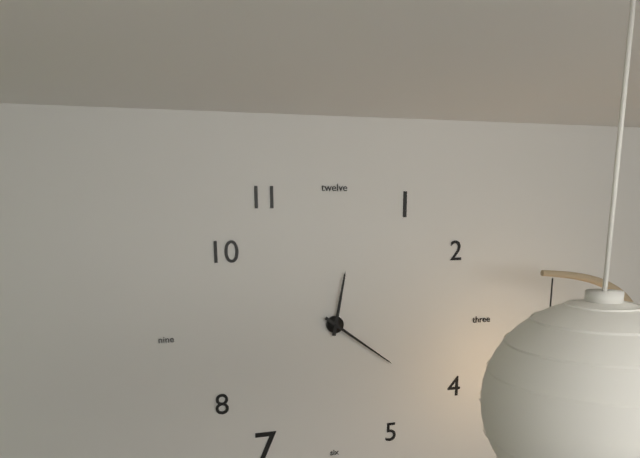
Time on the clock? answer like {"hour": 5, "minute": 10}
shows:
{"hour": 12, "minute": 21}
